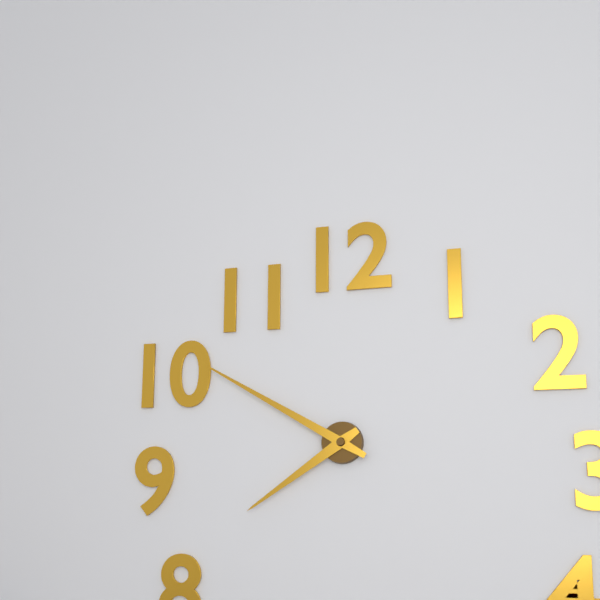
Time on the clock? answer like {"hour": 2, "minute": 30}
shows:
{"hour": 7, "minute": 50}
